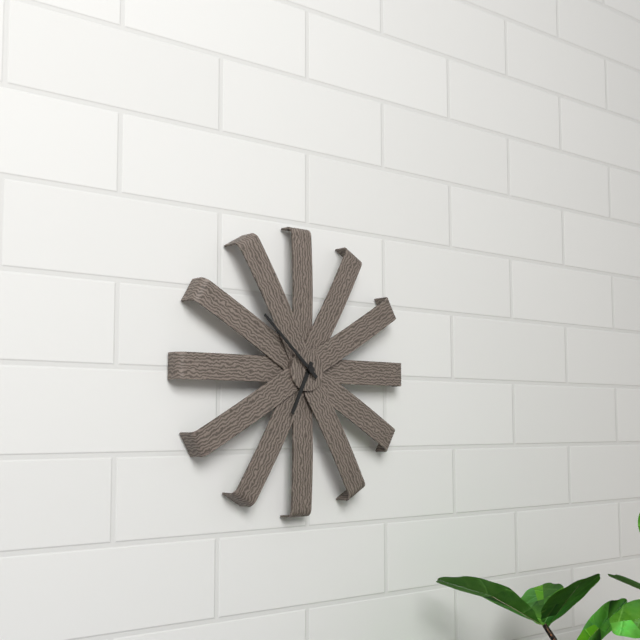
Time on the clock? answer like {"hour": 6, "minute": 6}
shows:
{"hour": 6, "minute": 52}
